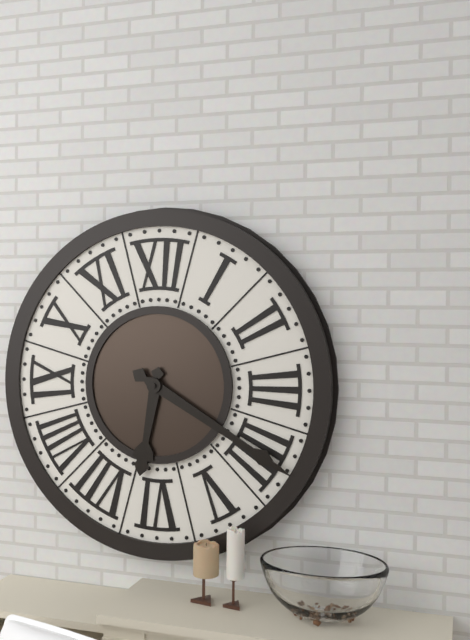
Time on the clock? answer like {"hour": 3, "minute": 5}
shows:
{"hour": 6, "minute": 20}
